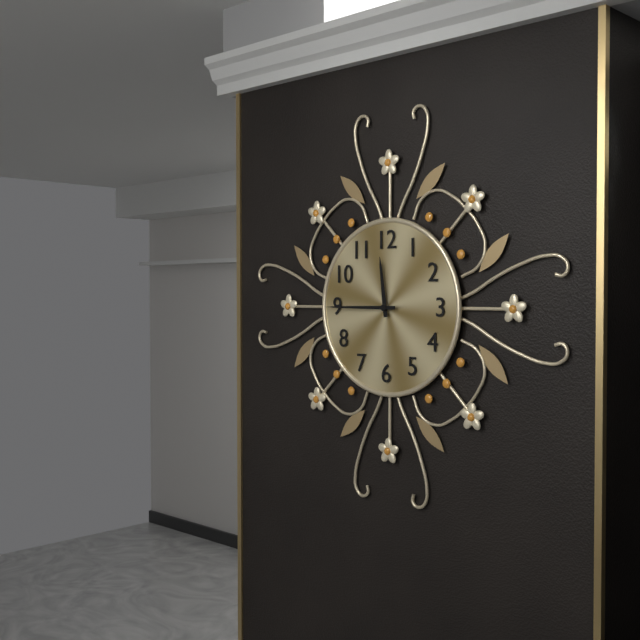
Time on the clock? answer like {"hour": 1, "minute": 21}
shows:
{"hour": 11, "minute": 45}
